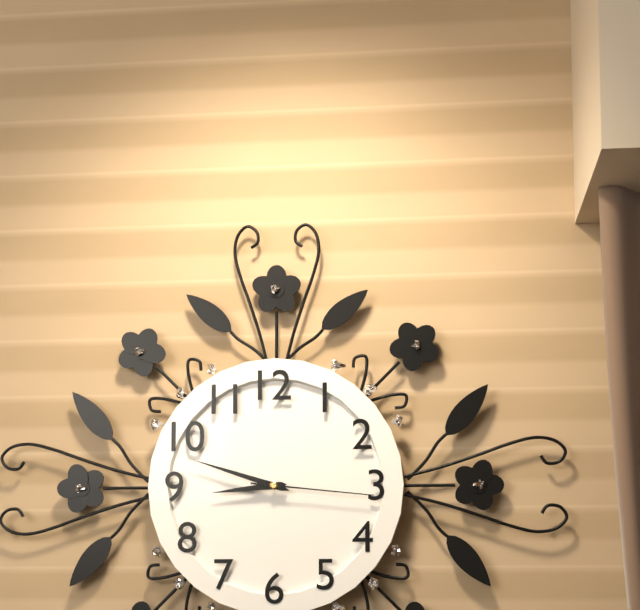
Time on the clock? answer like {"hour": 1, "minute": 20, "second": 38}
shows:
{"hour": 8, "minute": 48, "second": 16}
